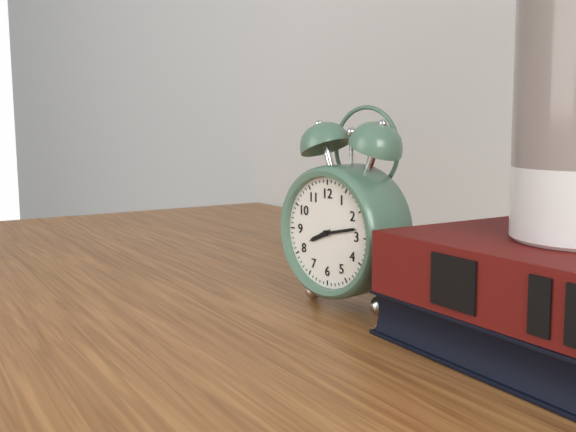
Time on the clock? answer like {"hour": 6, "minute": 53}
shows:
{"hour": 8, "minute": 13}
